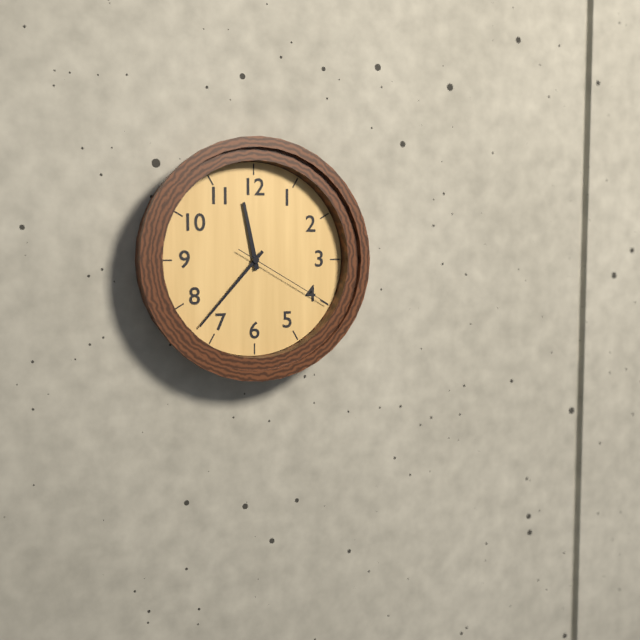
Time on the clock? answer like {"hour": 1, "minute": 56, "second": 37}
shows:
{"hour": 11, "minute": 37, "second": 20}
